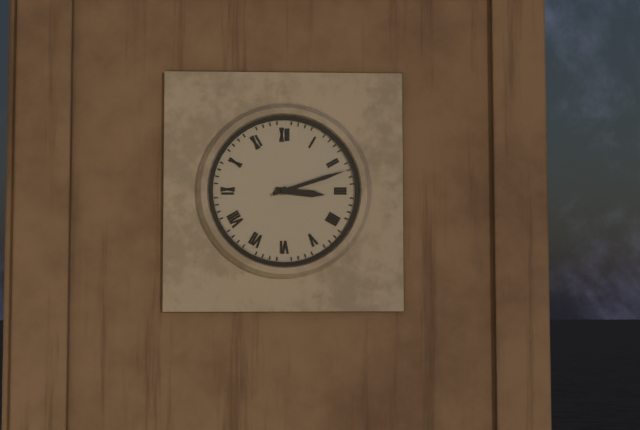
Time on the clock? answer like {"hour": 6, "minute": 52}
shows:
{"hour": 3, "minute": 12}
